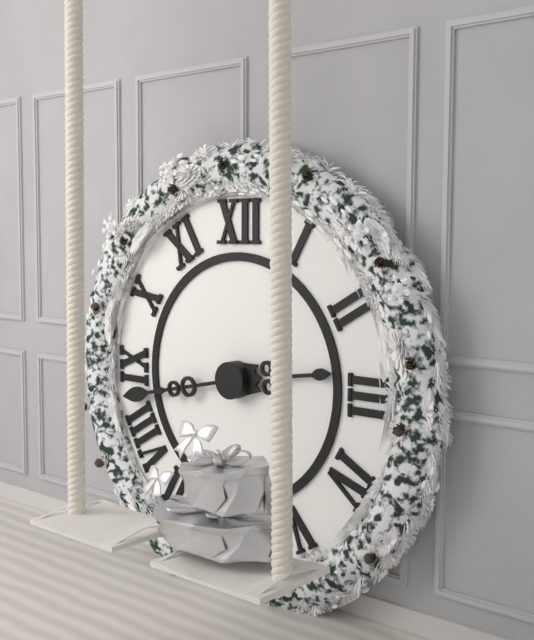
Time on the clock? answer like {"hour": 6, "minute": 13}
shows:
{"hour": 2, "minute": 43}
